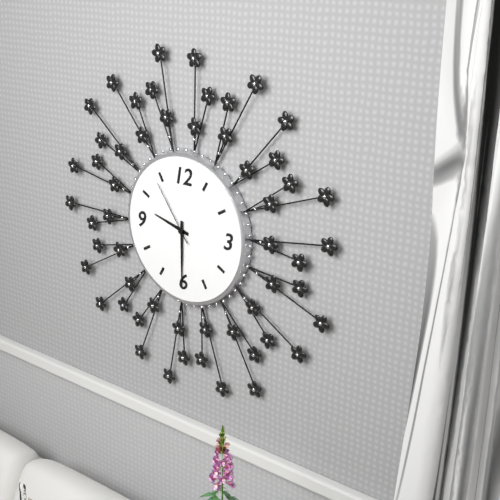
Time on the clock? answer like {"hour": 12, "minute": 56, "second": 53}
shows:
{"hour": 9, "minute": 30, "second": 54}
